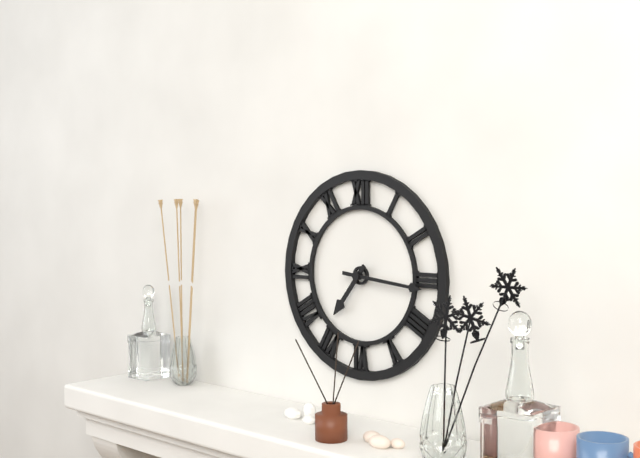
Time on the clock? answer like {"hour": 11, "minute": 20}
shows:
{"hour": 7, "minute": 16}
